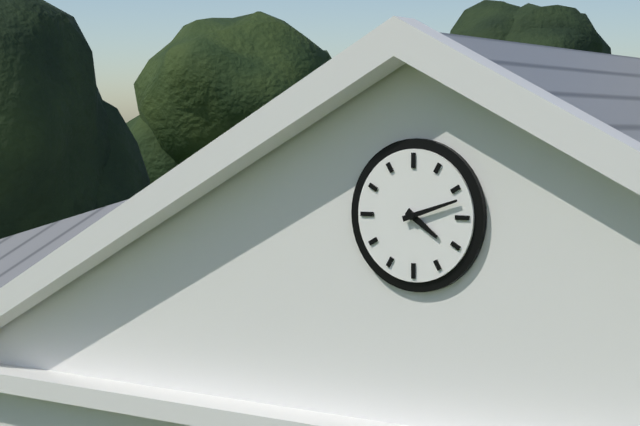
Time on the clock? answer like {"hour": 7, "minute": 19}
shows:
{"hour": 4, "minute": 12}
